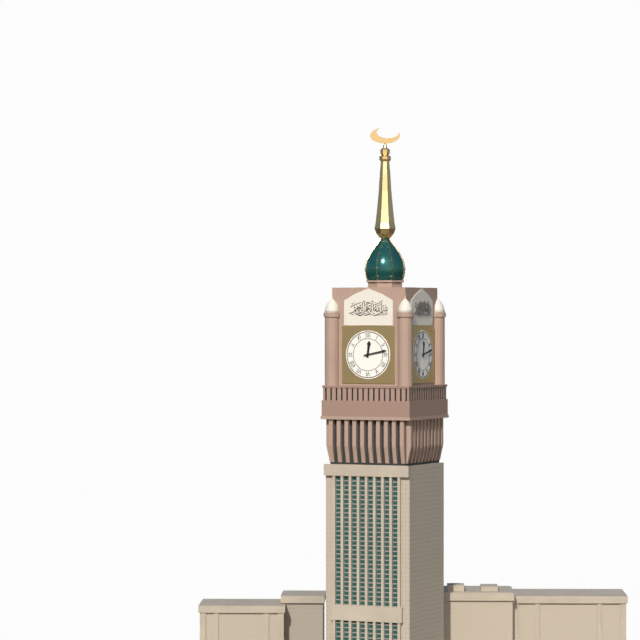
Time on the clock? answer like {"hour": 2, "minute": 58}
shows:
{"hour": 12, "minute": 13}
